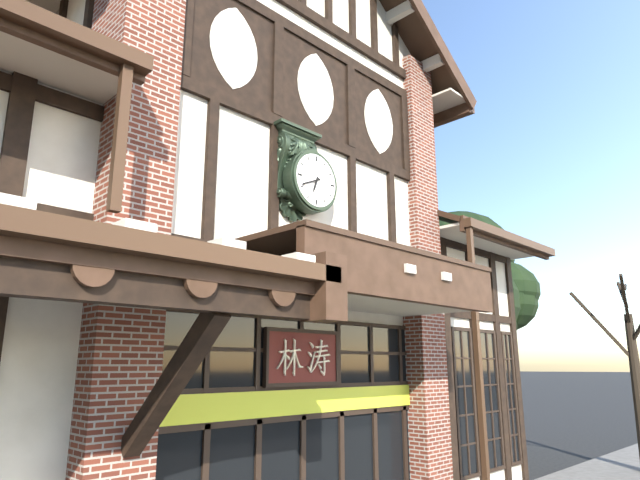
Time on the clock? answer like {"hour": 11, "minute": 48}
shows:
{"hour": 6, "minute": 41}
